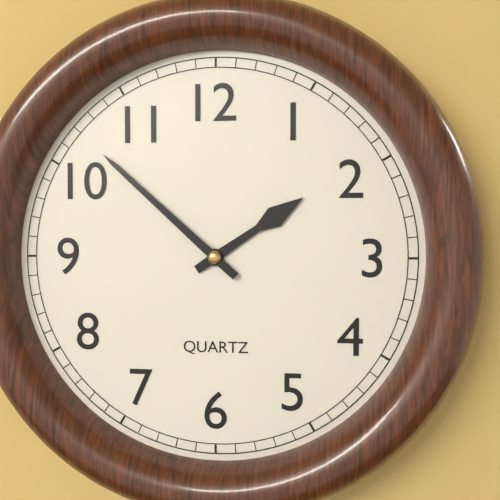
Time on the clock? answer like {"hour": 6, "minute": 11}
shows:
{"hour": 1, "minute": 52}
